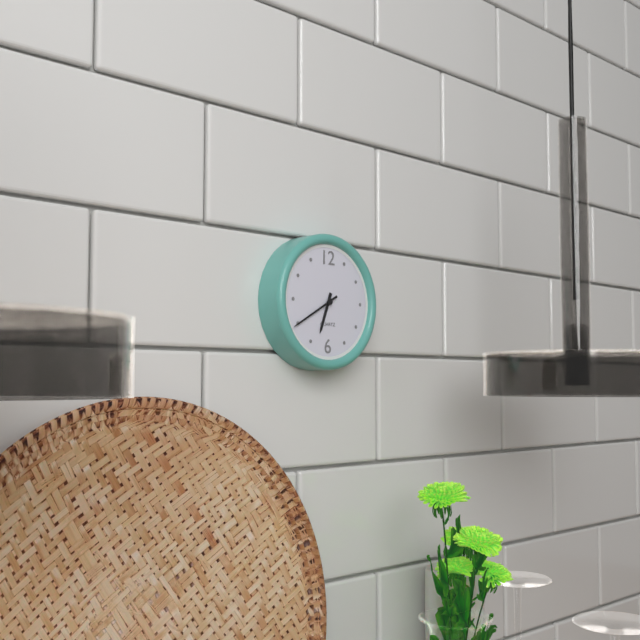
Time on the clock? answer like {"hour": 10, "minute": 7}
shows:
{"hour": 6, "minute": 40}
